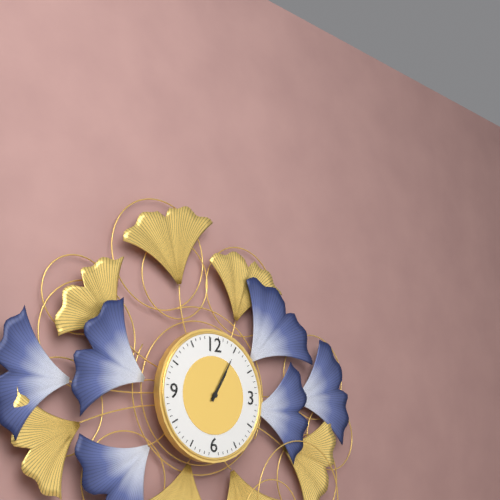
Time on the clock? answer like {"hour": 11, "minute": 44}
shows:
{"hour": 1, "minute": 5}
